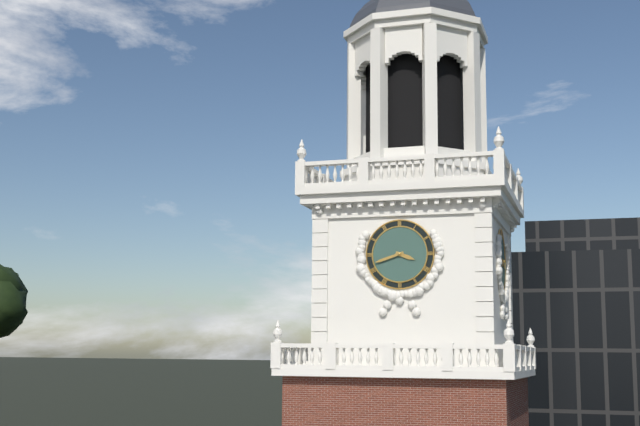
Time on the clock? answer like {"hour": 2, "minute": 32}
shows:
{"hour": 3, "minute": 42}
